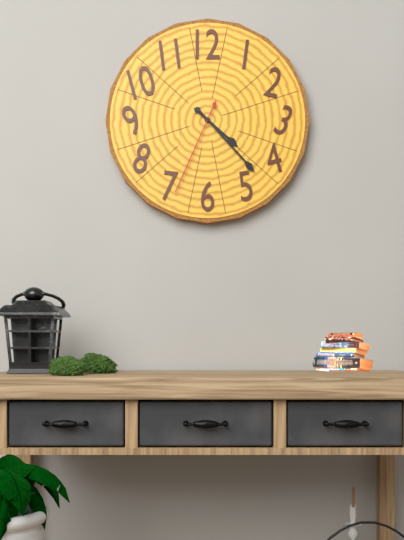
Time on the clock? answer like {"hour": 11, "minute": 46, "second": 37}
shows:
{"hour": 4, "minute": 23, "second": 34}
